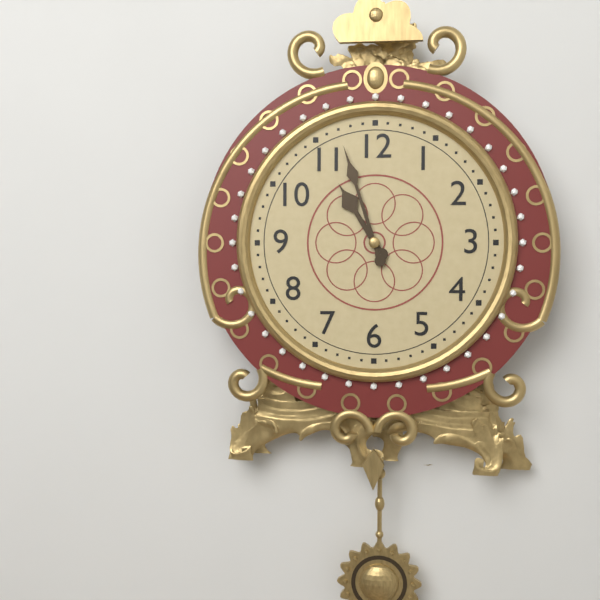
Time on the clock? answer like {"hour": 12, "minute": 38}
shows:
{"hour": 10, "minute": 57}
